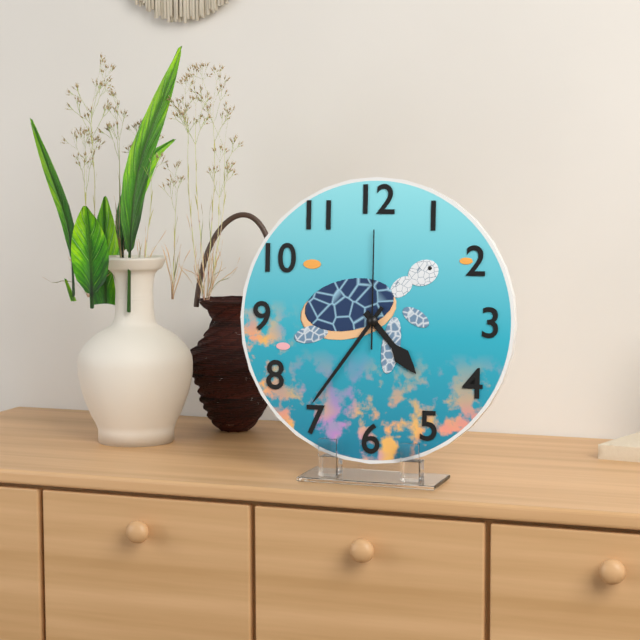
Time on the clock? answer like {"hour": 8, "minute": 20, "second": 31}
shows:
{"hour": 4, "minute": 36, "second": 0}
